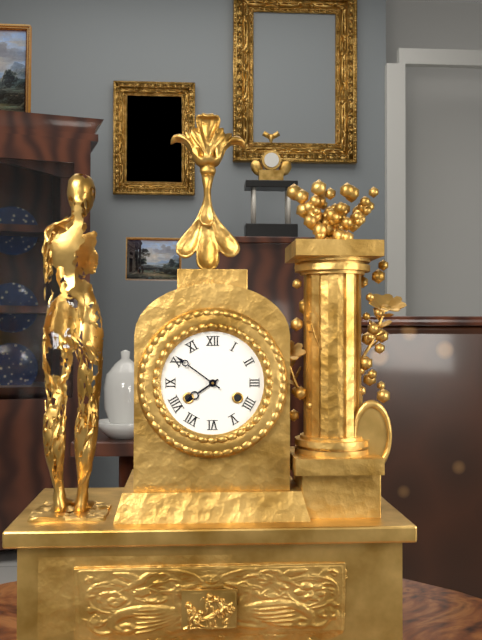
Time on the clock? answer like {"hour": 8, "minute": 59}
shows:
{"hour": 7, "minute": 51}
